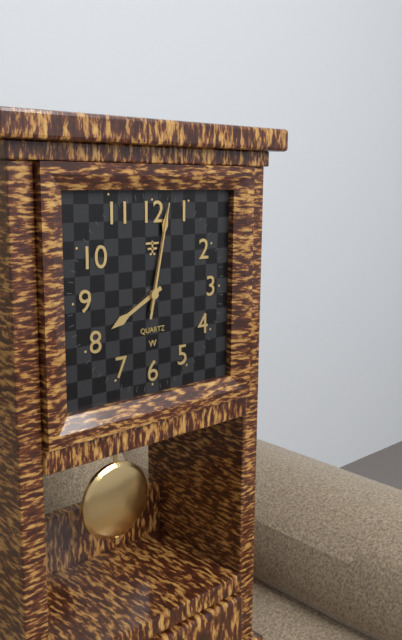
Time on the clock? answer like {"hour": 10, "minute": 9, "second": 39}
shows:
{"hour": 8, "minute": 2, "second": 2}
